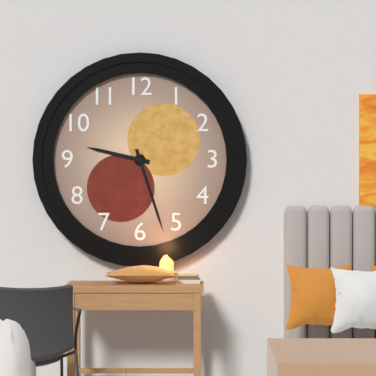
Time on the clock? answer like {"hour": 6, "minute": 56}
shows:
{"hour": 9, "minute": 27}
